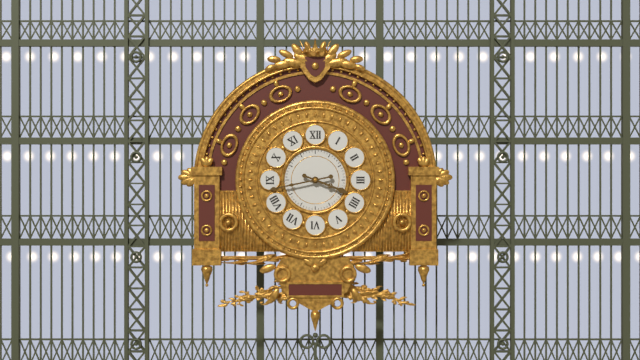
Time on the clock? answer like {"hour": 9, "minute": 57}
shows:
{"hour": 3, "minute": 43}
